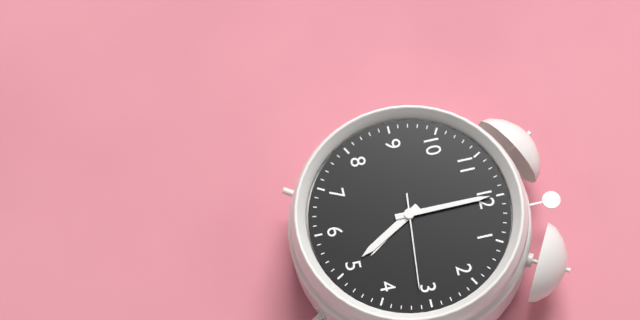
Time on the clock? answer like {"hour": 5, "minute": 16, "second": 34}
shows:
{"hour": 5, "minute": 0, "second": 16}
